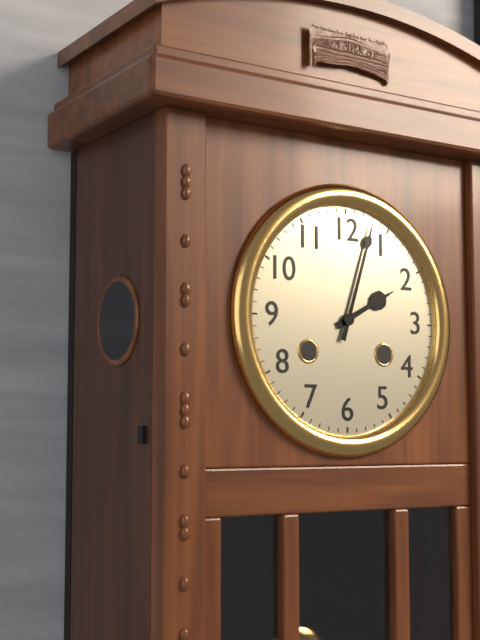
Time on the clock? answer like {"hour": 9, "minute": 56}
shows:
{"hour": 2, "minute": 3}
